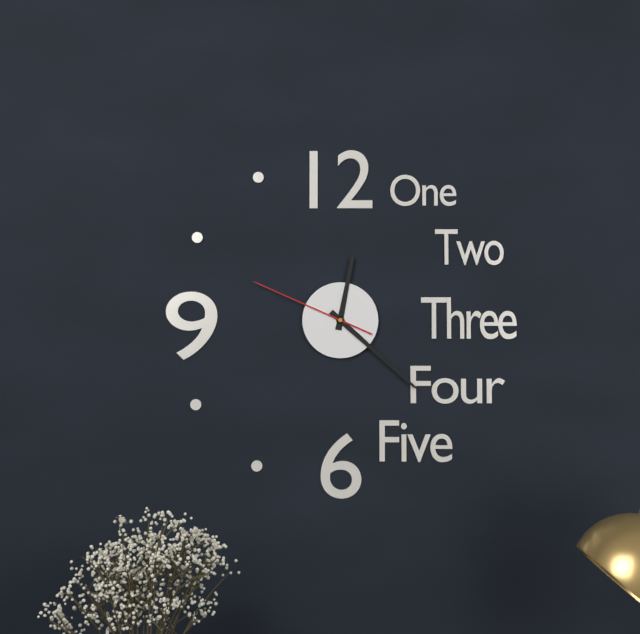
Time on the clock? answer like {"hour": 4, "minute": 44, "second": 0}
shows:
{"hour": 12, "minute": 22, "second": 49}
